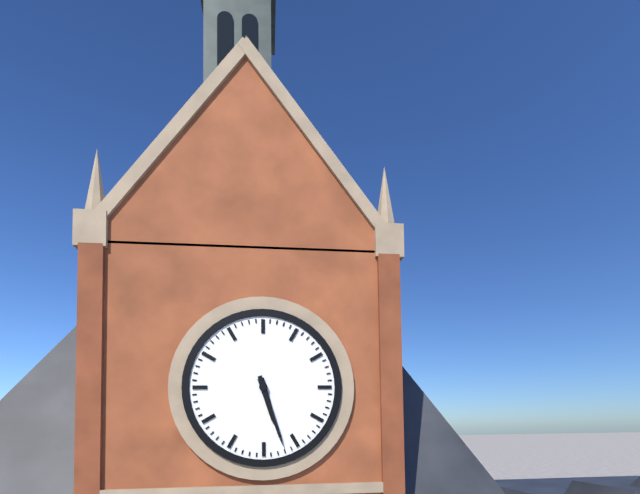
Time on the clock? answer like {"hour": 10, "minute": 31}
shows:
{"hour": 5, "minute": 27}
